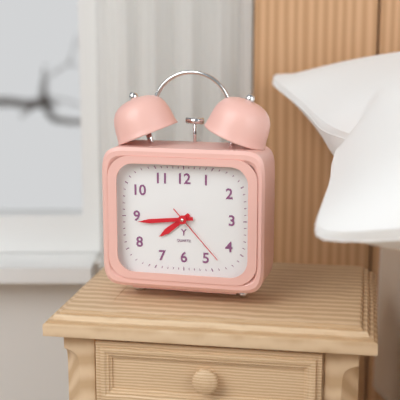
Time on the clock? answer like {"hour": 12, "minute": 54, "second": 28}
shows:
{"hour": 7, "minute": 44, "second": 23}
